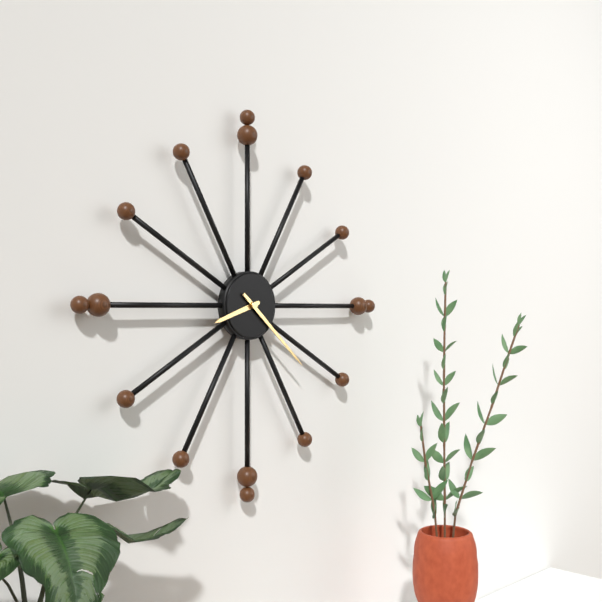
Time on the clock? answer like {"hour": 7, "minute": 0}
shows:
{"hour": 8, "minute": 22}
